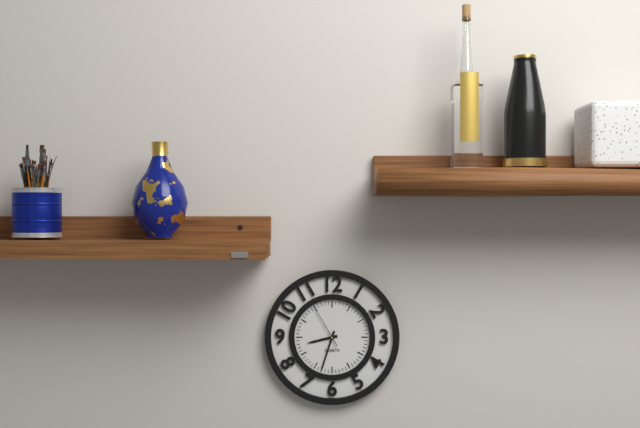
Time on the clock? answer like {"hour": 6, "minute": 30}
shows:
{"hour": 8, "minute": 33}
